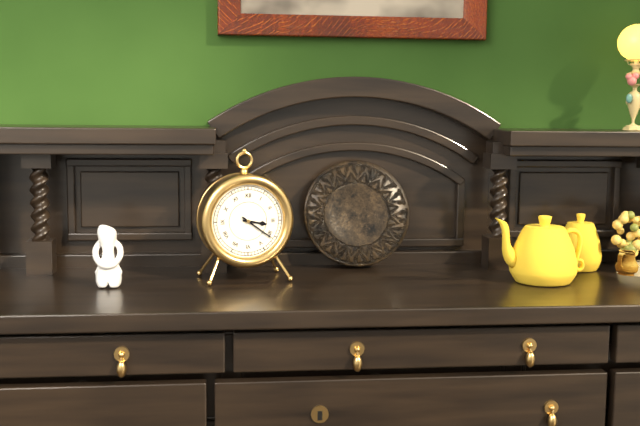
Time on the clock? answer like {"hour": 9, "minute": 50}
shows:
{"hour": 3, "minute": 21}
